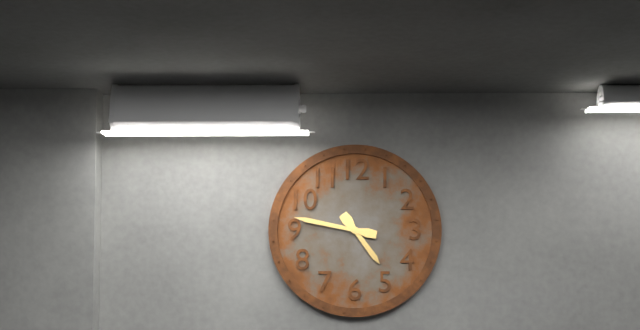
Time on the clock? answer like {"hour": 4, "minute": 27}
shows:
{"hour": 4, "minute": 47}
